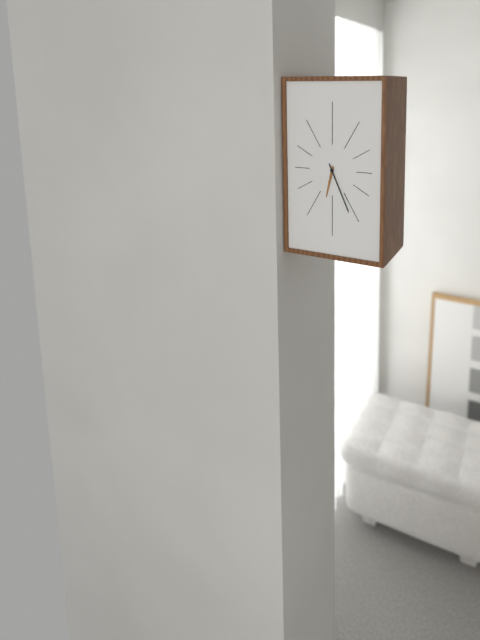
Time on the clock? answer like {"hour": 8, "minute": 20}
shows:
{"hour": 6, "minute": 26}
